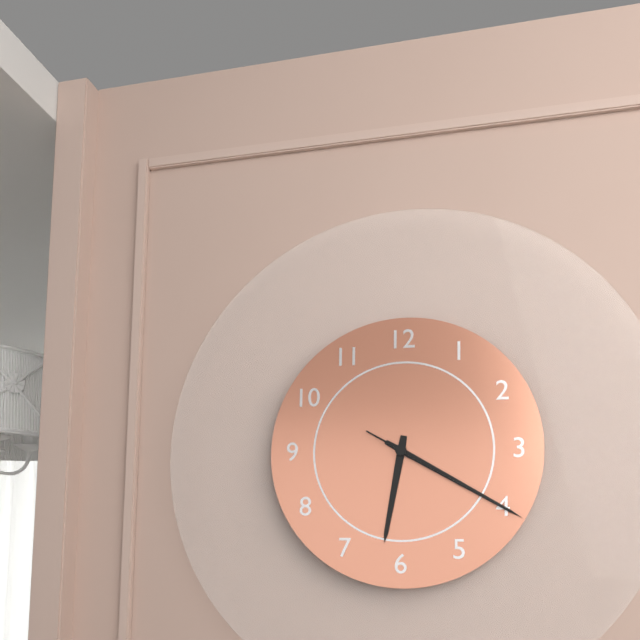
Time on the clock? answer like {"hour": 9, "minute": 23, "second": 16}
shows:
{"hour": 6, "minute": 20, "second": 20}
